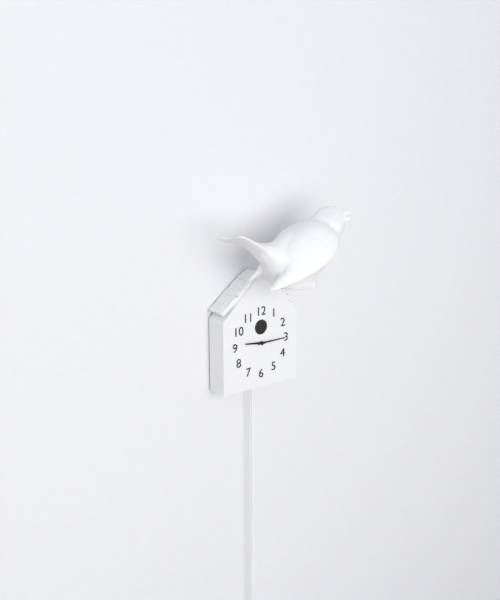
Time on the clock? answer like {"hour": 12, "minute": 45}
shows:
{"hour": 9, "minute": 15}
